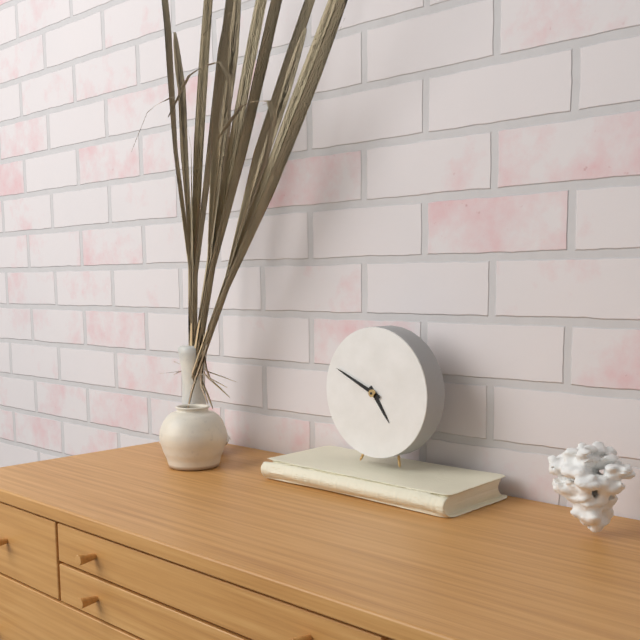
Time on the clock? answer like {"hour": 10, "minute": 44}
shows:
{"hour": 4, "minute": 49}
